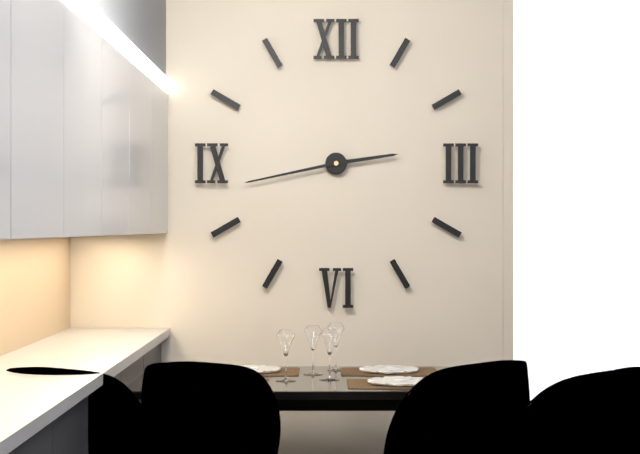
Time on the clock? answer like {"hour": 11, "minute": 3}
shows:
{"hour": 2, "minute": 43}
